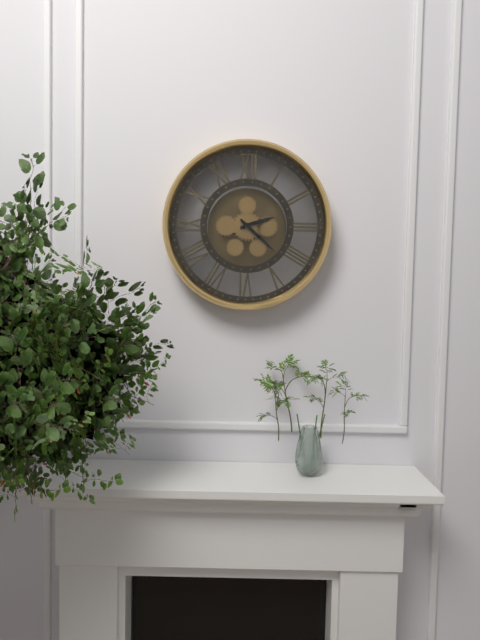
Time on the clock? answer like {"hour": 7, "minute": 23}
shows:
{"hour": 2, "minute": 22}
